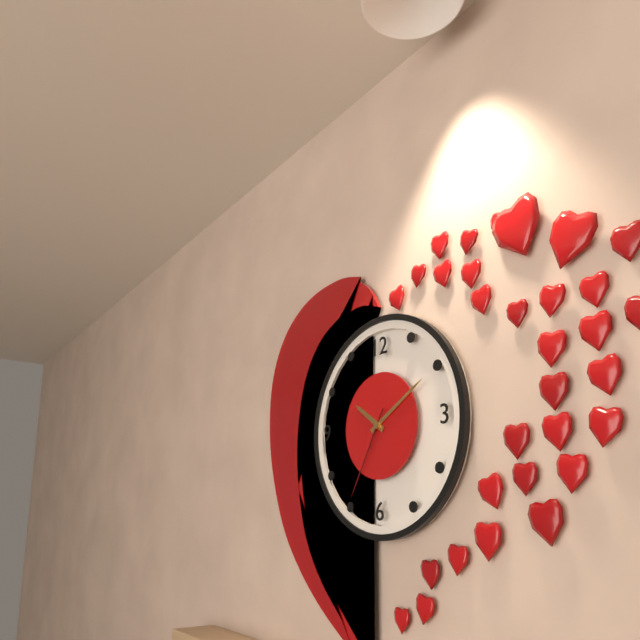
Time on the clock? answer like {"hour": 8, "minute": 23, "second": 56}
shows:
{"hour": 10, "minute": 10, "second": 35}
